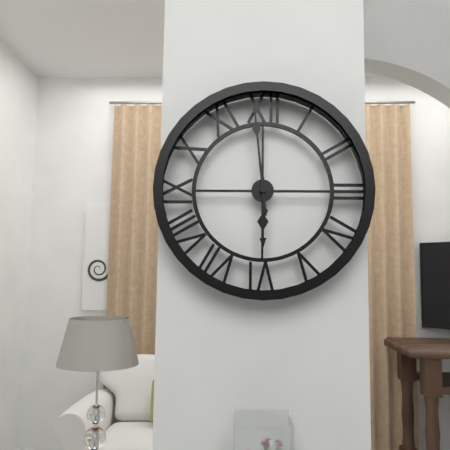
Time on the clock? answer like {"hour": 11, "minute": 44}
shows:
{"hour": 5, "minute": 59}
